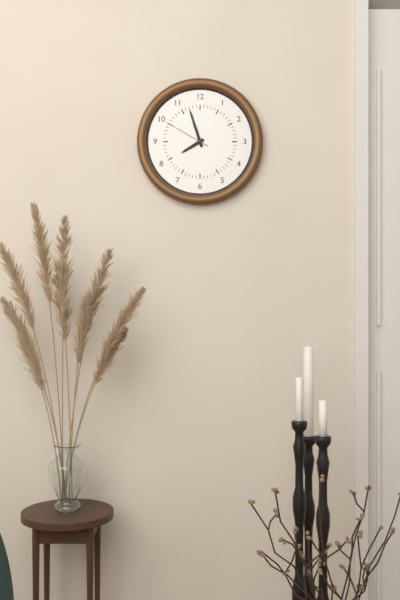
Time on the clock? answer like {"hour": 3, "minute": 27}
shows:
{"hour": 7, "minute": 57}
